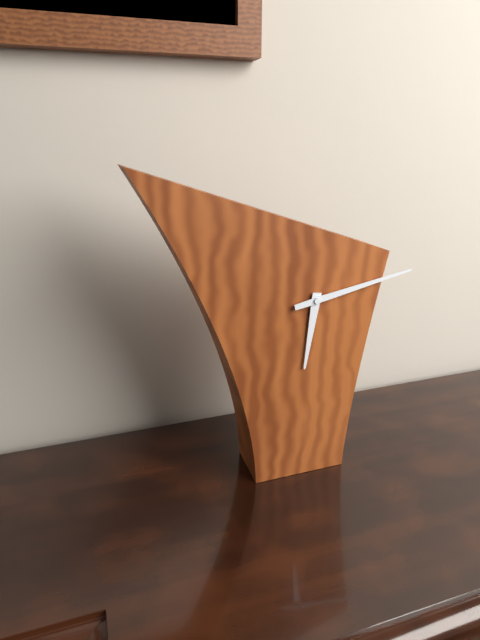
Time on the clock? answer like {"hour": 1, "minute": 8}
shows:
{"hour": 6, "minute": 13}
